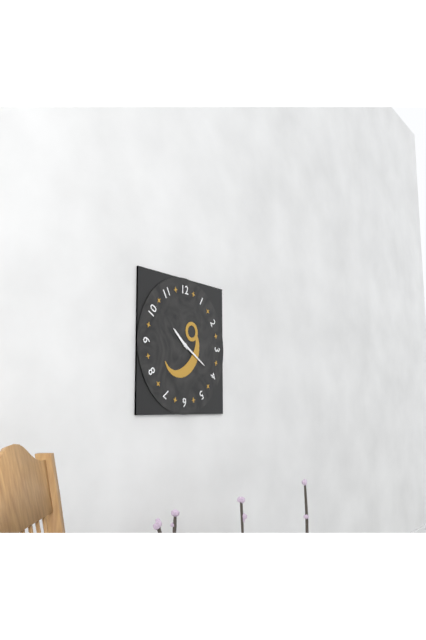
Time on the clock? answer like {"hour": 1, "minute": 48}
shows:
{"hour": 10, "minute": 20}
